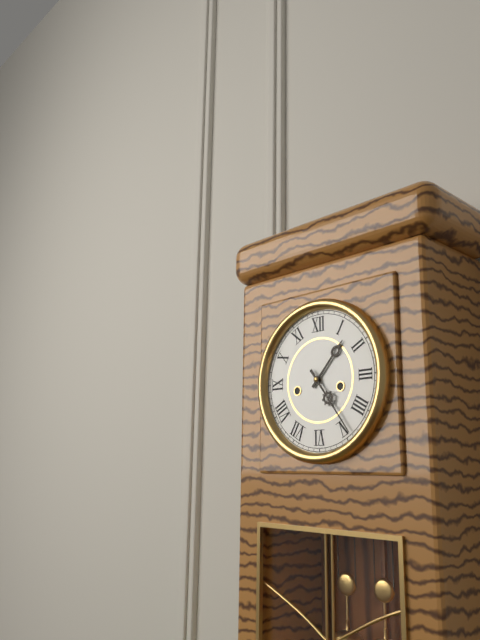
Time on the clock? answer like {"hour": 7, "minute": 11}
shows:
{"hour": 1, "minute": 24}
